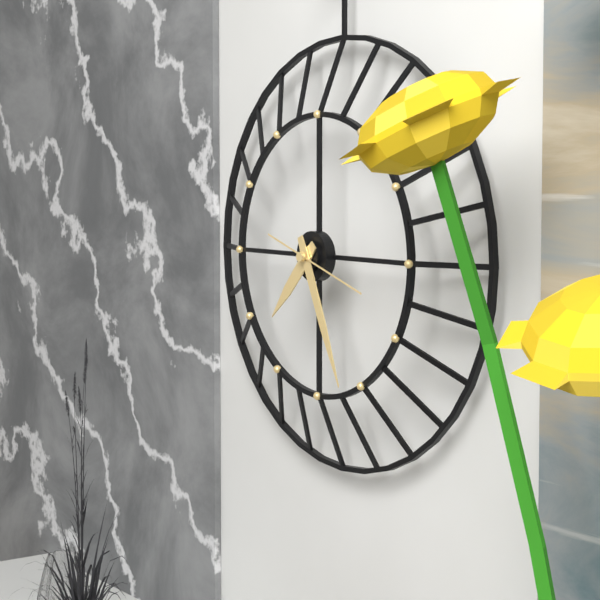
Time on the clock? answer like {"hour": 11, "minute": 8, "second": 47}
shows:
{"hour": 7, "minute": 26, "second": 18}
